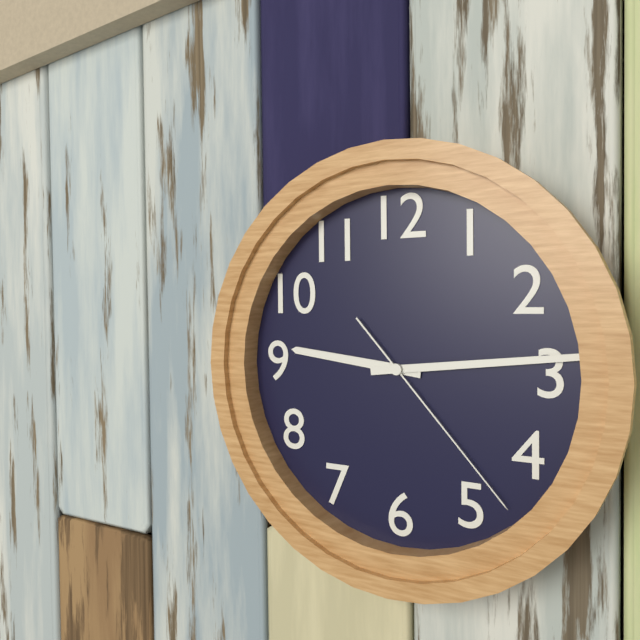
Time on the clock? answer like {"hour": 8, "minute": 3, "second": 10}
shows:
{"hour": 9, "minute": 14, "second": 23}
